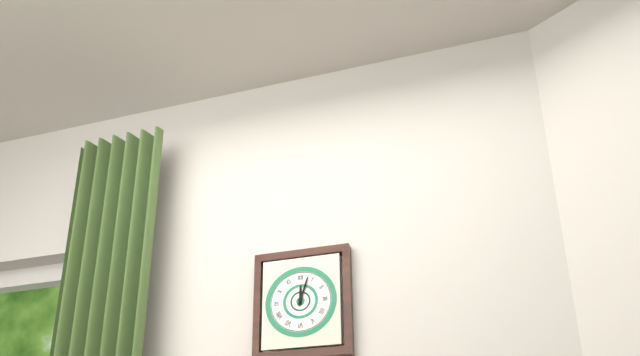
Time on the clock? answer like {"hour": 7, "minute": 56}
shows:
{"hour": 12, "minute": 3}
